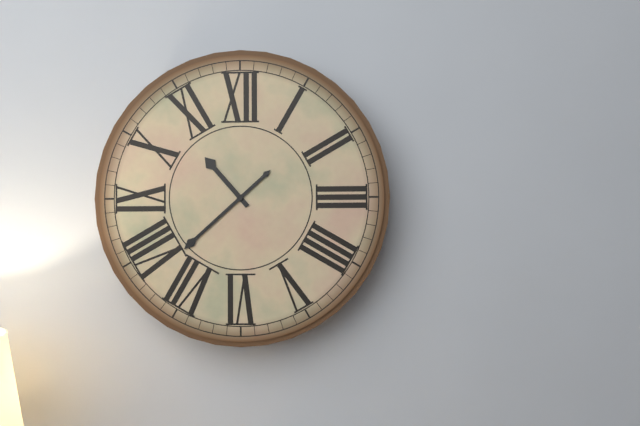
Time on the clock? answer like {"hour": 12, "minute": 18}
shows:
{"hour": 10, "minute": 38}
